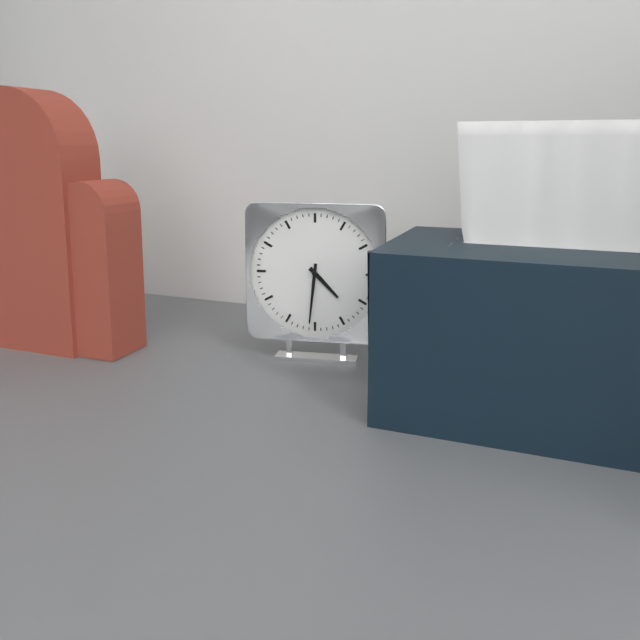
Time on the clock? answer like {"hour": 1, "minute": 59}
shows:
{"hour": 4, "minute": 31}
